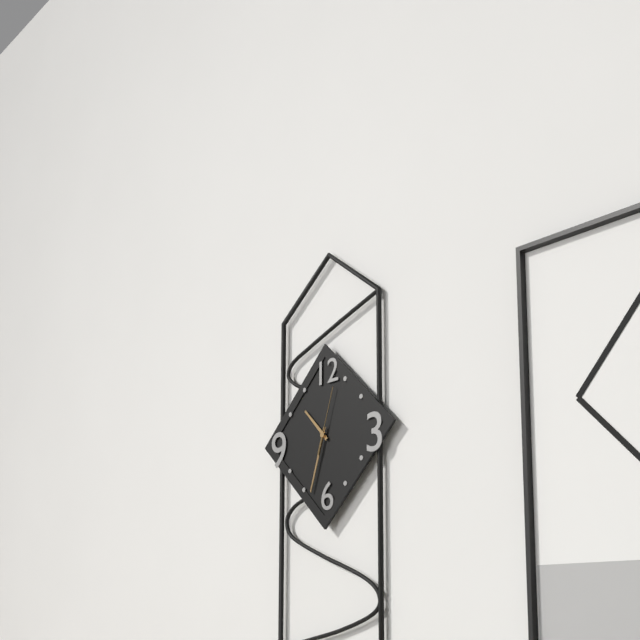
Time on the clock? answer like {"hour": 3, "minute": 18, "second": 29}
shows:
{"hour": 10, "minute": 33, "second": 3}
